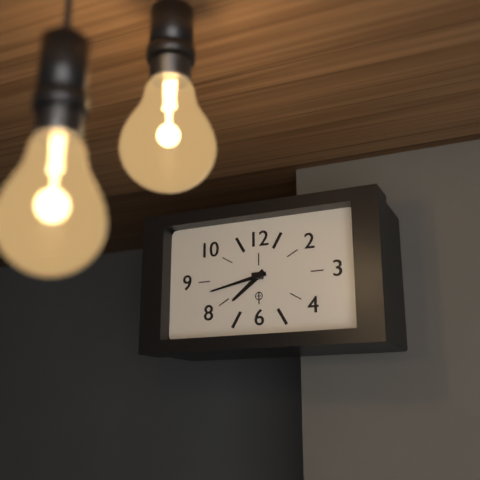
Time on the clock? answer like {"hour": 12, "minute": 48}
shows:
{"hour": 7, "minute": 43}
